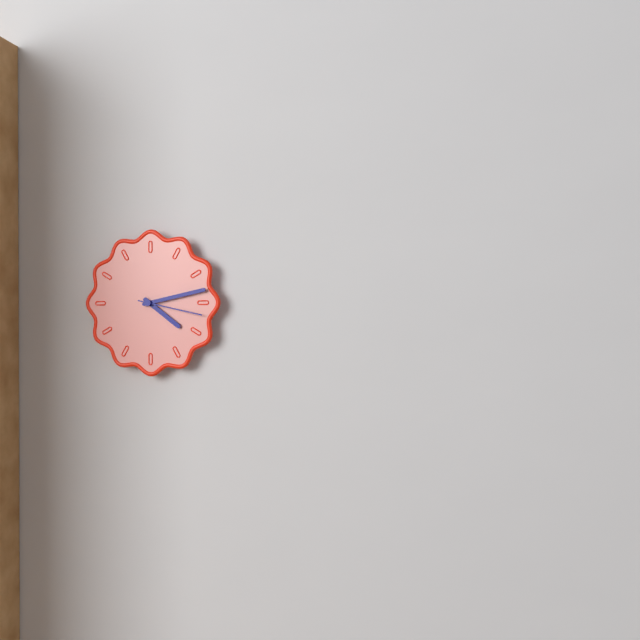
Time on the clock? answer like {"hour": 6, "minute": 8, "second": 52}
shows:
{"hour": 4, "minute": 13, "second": 17}
